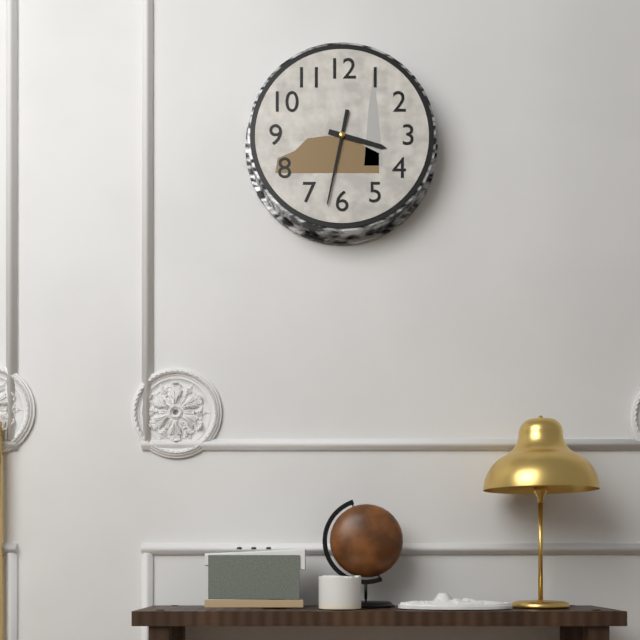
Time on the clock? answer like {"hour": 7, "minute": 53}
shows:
{"hour": 3, "minute": 32}
